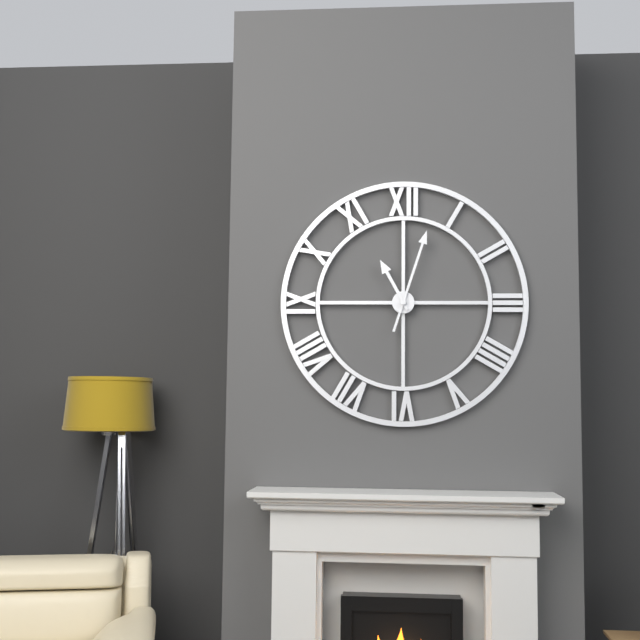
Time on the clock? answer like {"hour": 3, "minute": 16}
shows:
{"hour": 11, "minute": 3}
